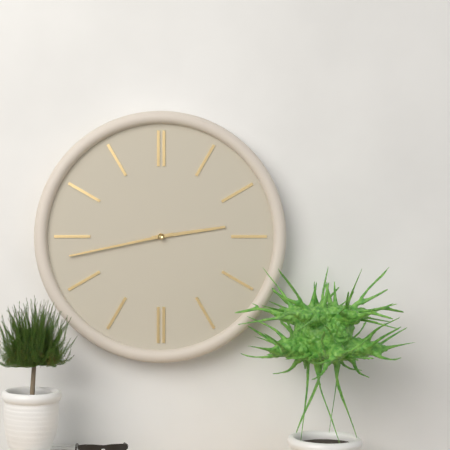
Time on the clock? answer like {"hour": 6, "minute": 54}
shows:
{"hour": 2, "minute": 43}
